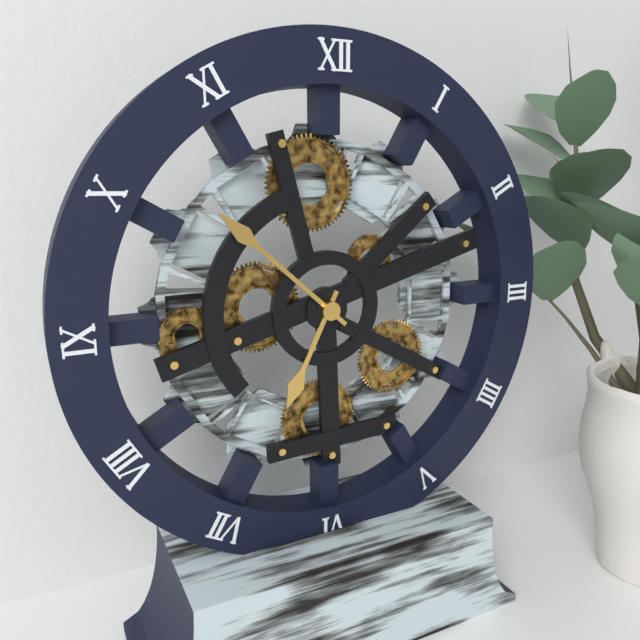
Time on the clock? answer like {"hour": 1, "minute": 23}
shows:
{"hour": 6, "minute": 52}
